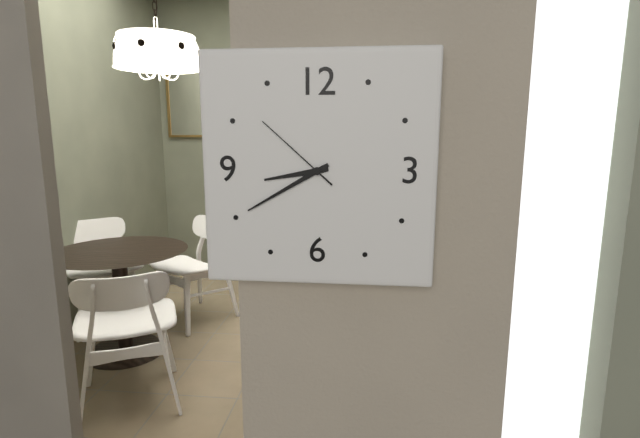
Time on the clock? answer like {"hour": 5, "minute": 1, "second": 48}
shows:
{"hour": 8, "minute": 40, "second": 52}
